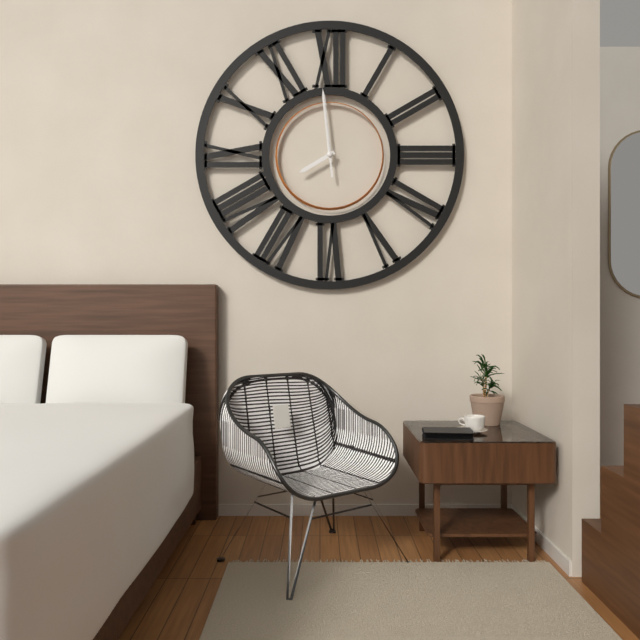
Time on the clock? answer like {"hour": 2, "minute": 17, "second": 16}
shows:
{"hour": 7, "minute": 59, "second": 59}
